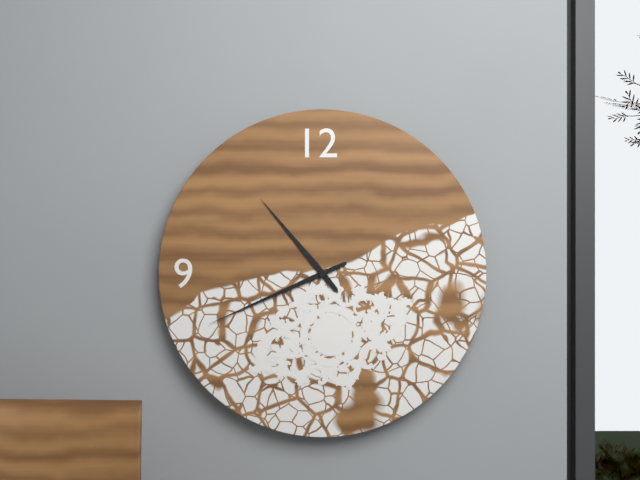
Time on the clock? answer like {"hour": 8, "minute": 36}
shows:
{"hour": 10, "minute": 41}
